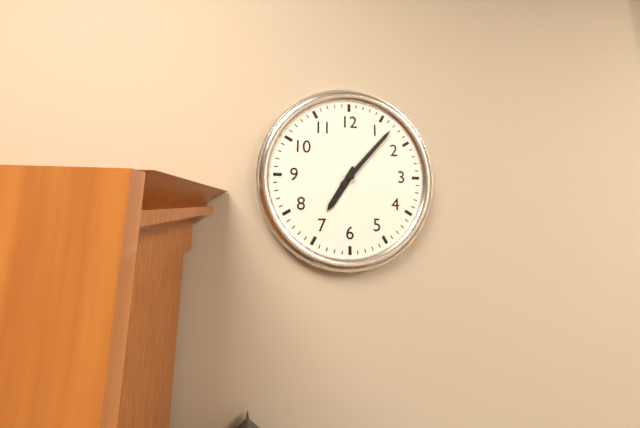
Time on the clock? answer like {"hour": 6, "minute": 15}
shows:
{"hour": 7, "minute": 7}
